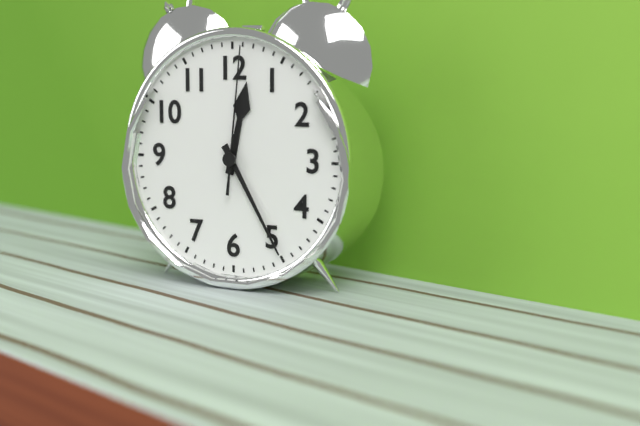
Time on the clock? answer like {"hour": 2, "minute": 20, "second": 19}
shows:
{"hour": 12, "minute": 25, "second": 1}
